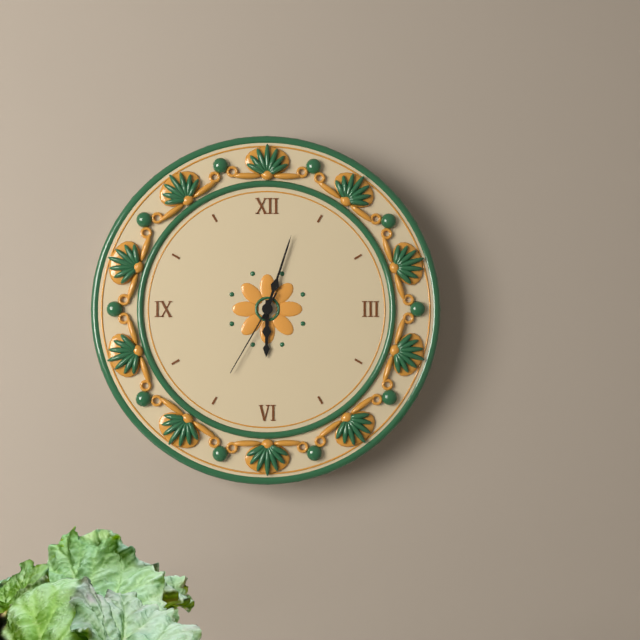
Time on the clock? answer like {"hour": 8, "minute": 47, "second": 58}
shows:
{"hour": 6, "minute": 3, "second": 35}
